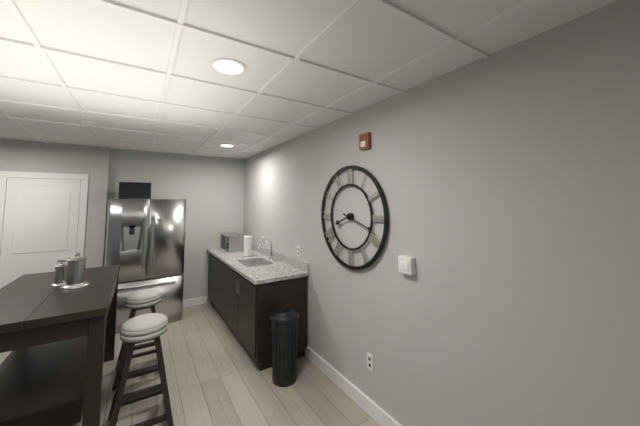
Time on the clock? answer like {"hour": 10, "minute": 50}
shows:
{"hour": 8, "minute": 18}
